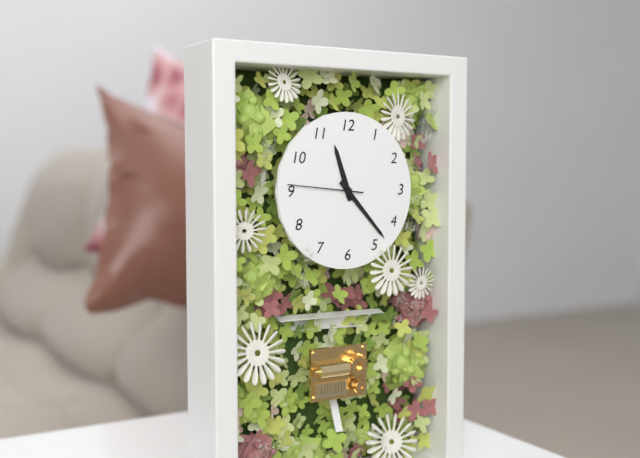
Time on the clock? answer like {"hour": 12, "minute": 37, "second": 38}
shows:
{"hour": 11, "minute": 23, "second": 46}
